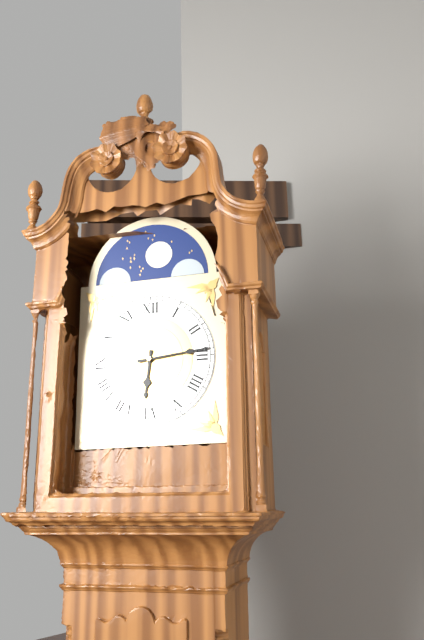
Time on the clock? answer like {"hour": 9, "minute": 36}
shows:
{"hour": 6, "minute": 14}
